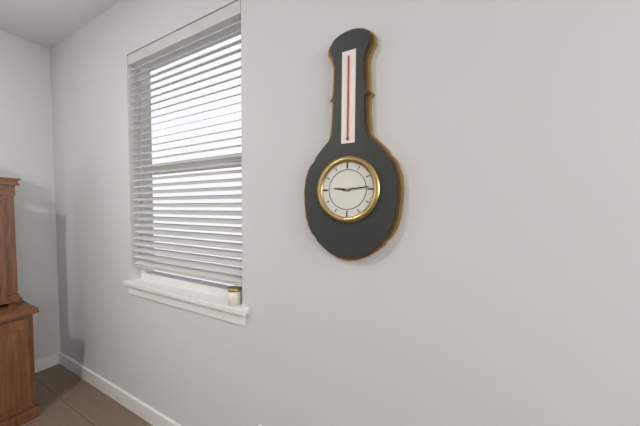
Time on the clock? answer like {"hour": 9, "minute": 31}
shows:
{"hour": 9, "minute": 14}
